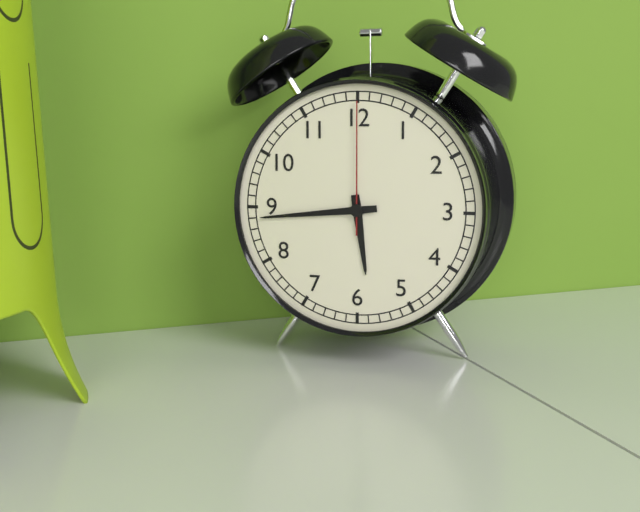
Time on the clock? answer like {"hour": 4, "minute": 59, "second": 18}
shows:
{"hour": 5, "minute": 44, "second": 0}
